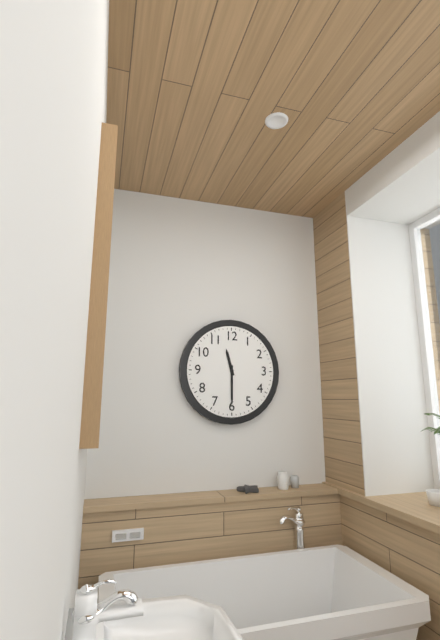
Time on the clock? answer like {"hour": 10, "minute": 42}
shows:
{"hour": 11, "minute": 30}
